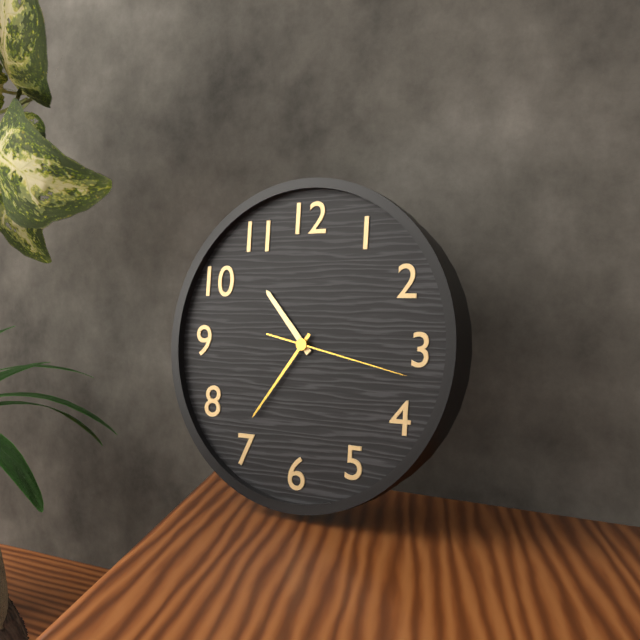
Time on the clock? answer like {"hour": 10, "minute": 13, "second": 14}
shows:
{"hour": 10, "minute": 36, "second": 17}
